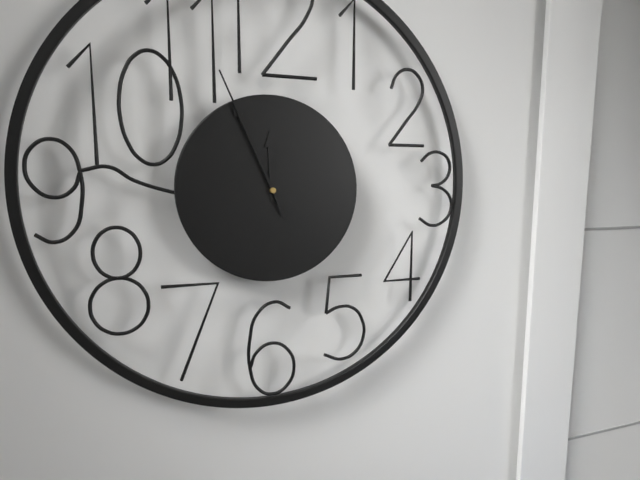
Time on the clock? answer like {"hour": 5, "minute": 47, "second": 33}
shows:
{"hour": 11, "minute": 56, "second": 56}
